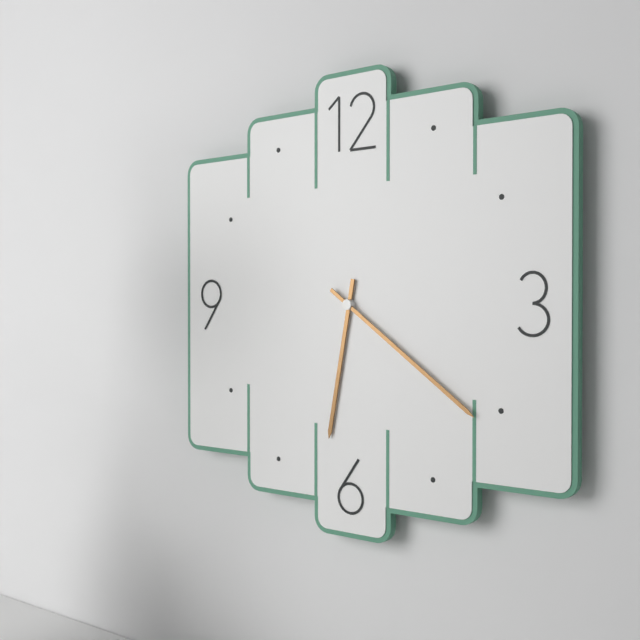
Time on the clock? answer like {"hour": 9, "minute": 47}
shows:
{"hour": 6, "minute": 21}
